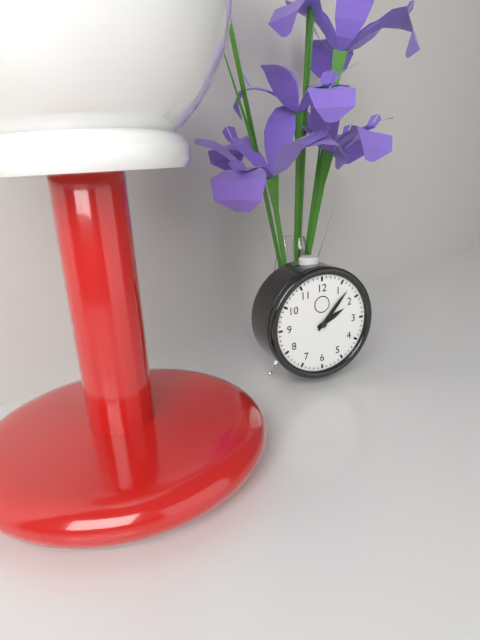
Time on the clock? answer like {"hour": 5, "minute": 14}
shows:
{"hour": 2, "minute": 7}
